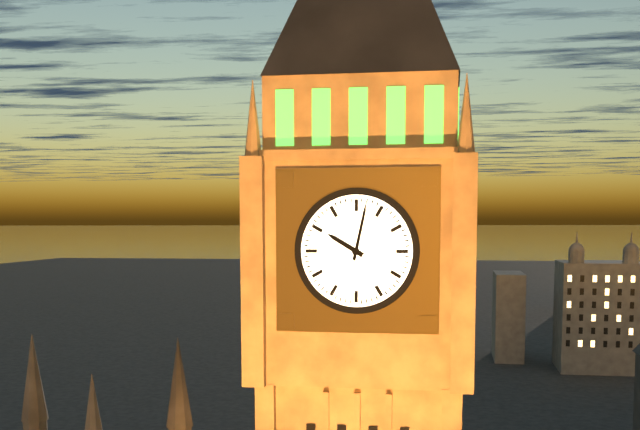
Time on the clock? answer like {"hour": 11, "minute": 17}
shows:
{"hour": 10, "minute": 2}
